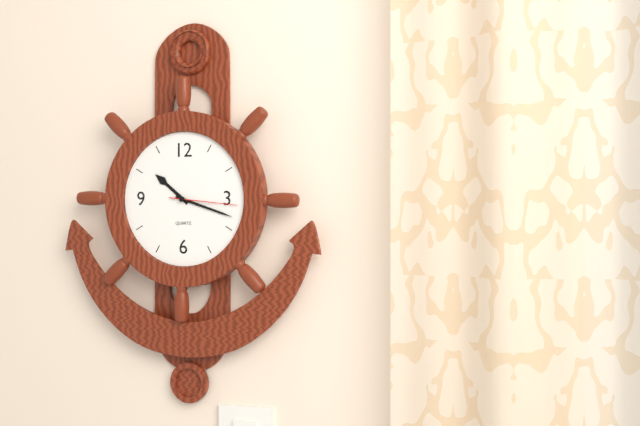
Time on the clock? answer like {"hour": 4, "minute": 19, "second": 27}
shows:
{"hour": 10, "minute": 18, "second": 16}
